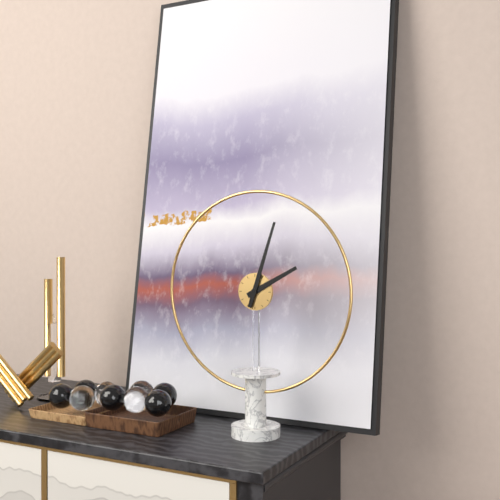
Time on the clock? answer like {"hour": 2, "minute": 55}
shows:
{"hour": 2, "minute": 3}
